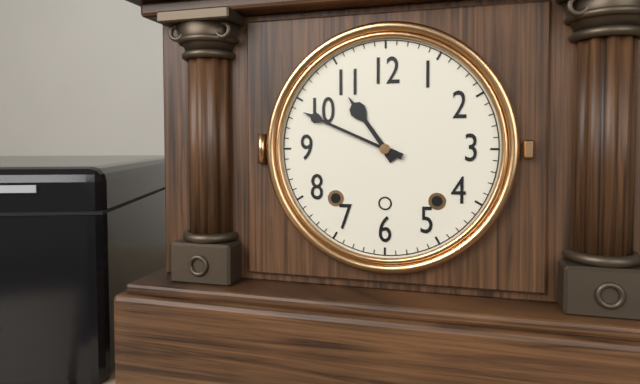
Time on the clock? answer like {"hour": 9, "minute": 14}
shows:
{"hour": 10, "minute": 49}
